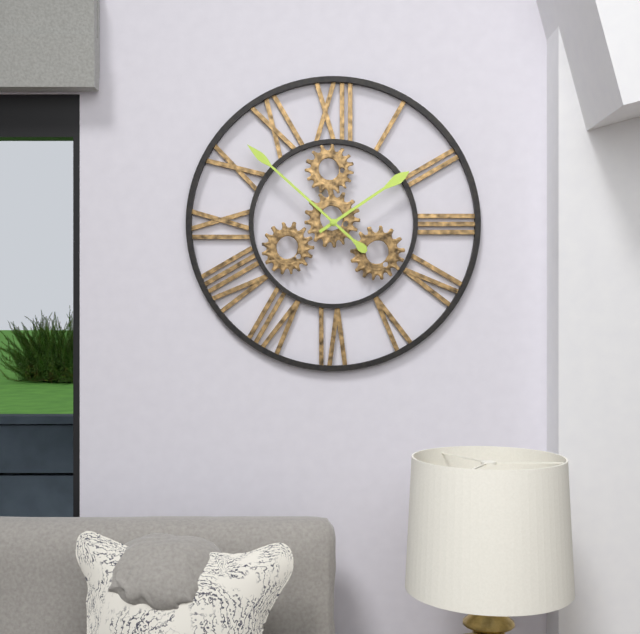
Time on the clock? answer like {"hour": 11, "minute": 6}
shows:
{"hour": 1, "minute": 52}
